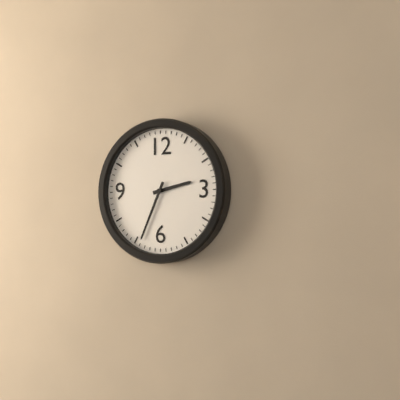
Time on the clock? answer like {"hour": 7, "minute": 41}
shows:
{"hour": 2, "minute": 34}
